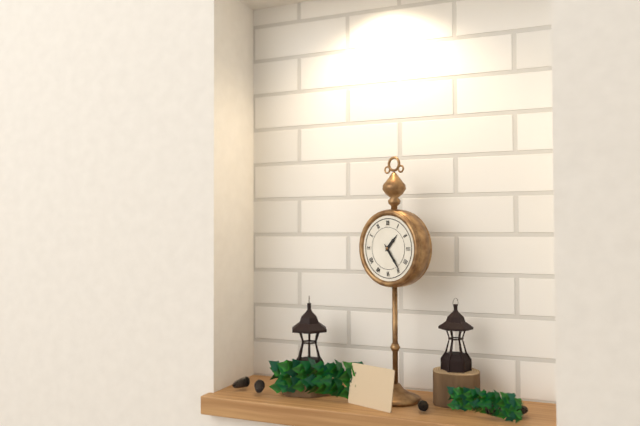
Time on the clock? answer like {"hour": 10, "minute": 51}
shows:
{"hour": 1, "minute": 24}
